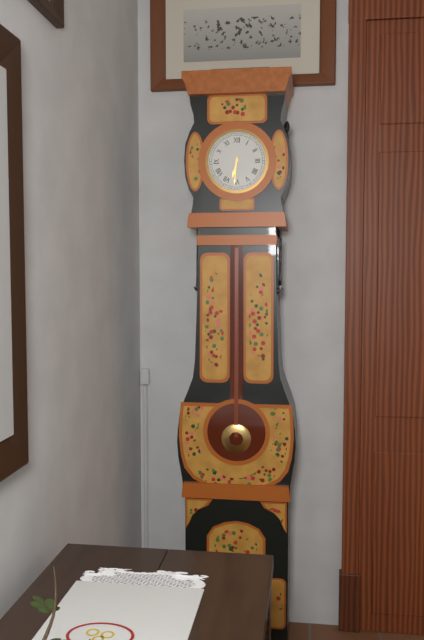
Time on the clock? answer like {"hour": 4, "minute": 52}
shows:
{"hour": 6, "minute": 31}
